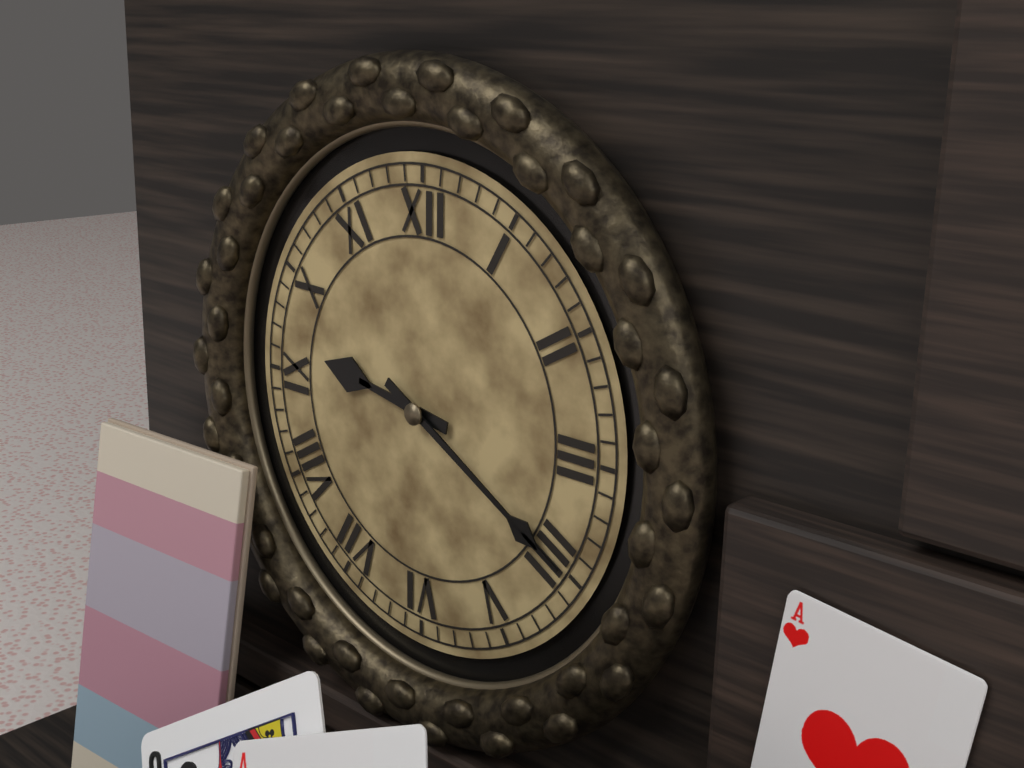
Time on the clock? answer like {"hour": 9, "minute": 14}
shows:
{"hour": 9, "minute": 20}
